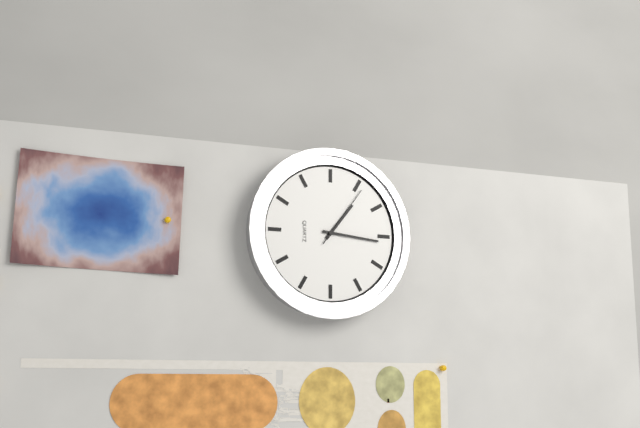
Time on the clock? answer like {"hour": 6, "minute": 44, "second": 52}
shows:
{"hour": 1, "minute": 16, "second": 6}
